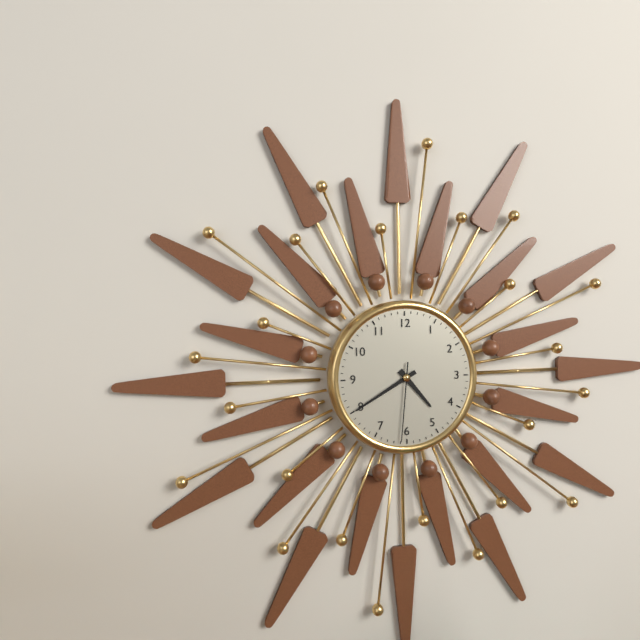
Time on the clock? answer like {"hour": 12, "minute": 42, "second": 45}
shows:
{"hour": 4, "minute": 40, "second": 31}
